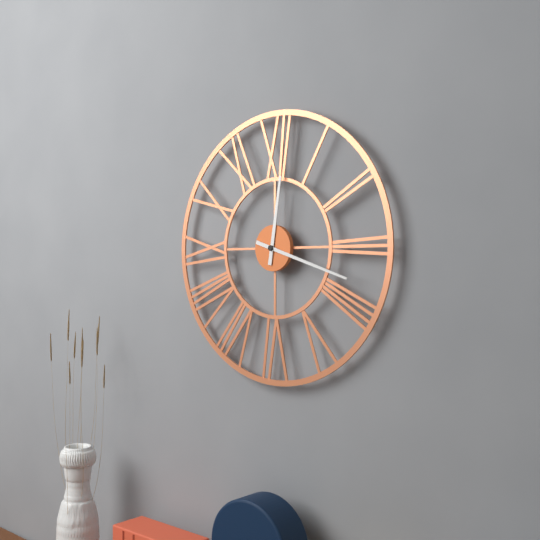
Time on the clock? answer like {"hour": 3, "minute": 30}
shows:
{"hour": 12, "minute": 18}
